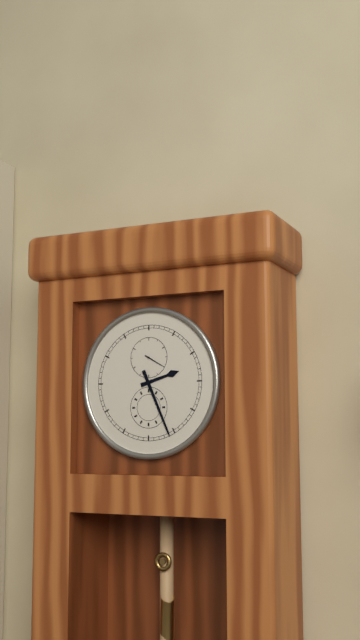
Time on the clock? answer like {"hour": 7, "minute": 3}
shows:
{"hour": 2, "minute": 26}
